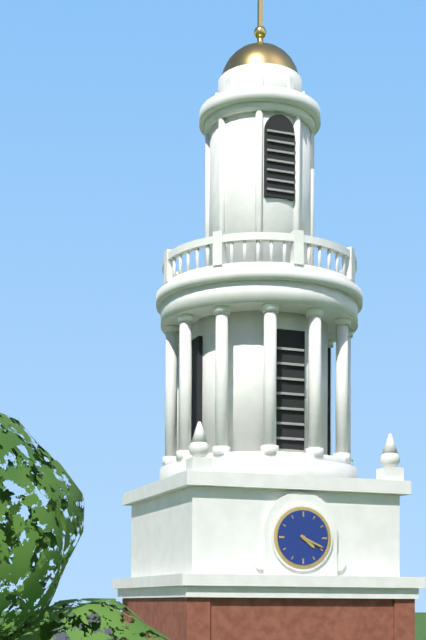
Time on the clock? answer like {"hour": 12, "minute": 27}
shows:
{"hour": 4, "minute": 19}
